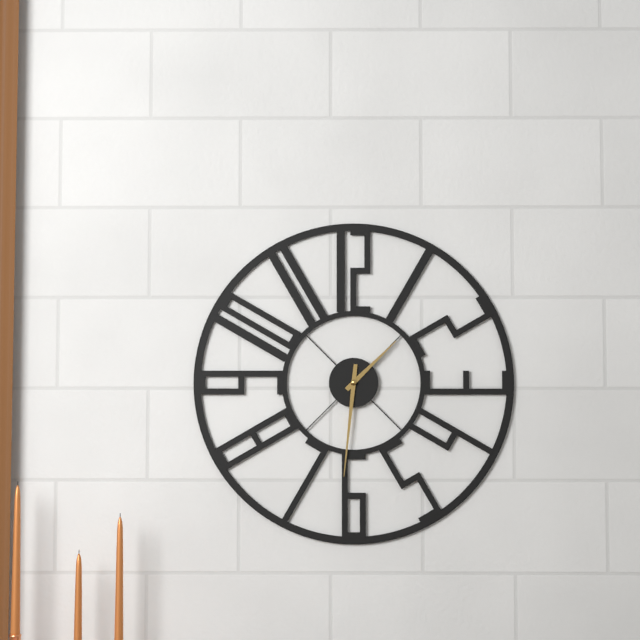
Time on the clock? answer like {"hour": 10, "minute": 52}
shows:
{"hour": 1, "minute": 31}
